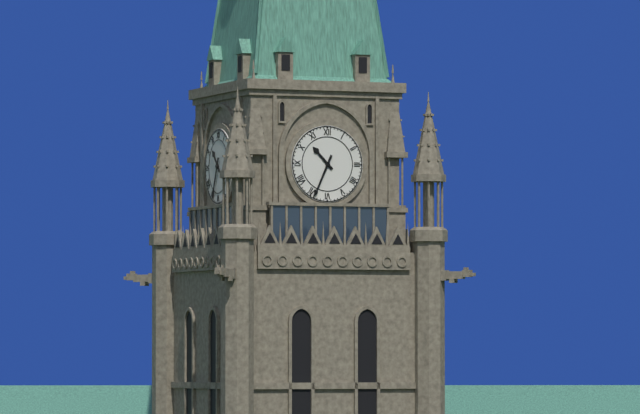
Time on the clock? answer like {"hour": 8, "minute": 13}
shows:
{"hour": 10, "minute": 34}
